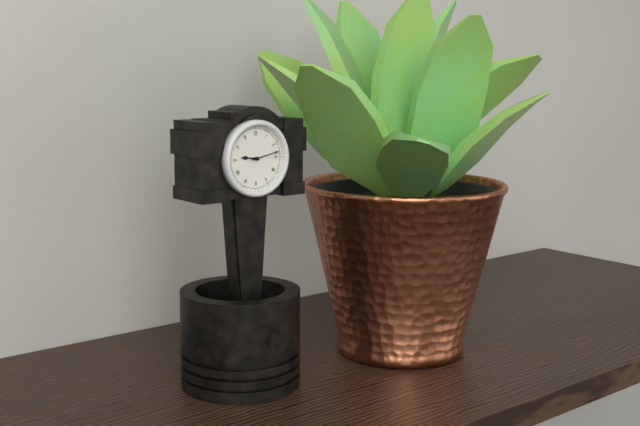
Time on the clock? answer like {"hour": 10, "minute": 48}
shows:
{"hour": 9, "minute": 13}
